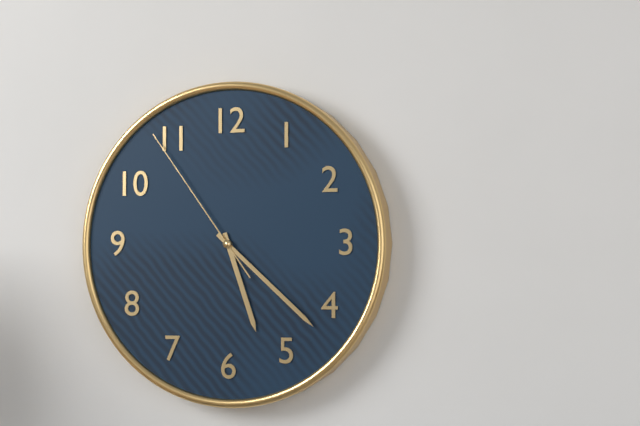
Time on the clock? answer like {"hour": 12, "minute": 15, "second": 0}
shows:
{"hour": 5, "minute": 22, "second": 54}
